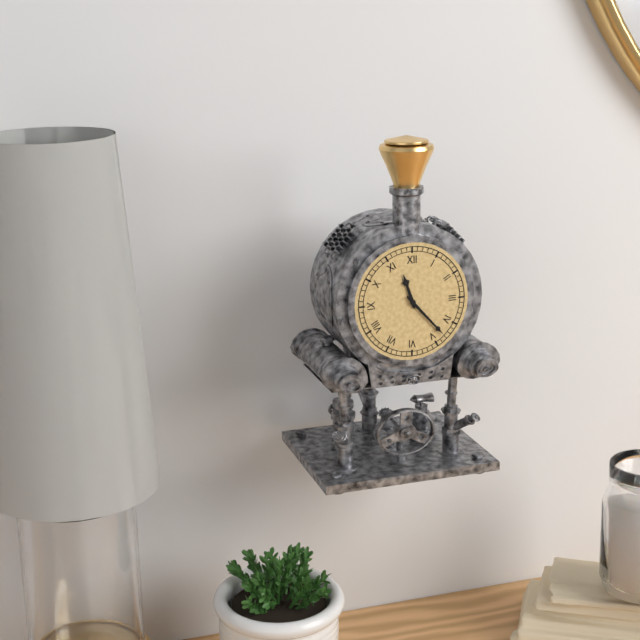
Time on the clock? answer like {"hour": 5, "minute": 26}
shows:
{"hour": 11, "minute": 23}
